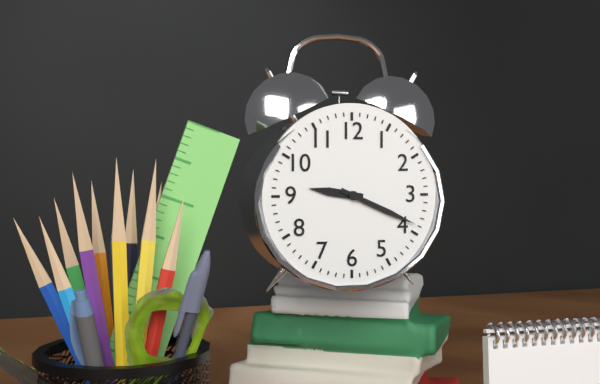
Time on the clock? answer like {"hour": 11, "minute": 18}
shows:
{"hour": 9, "minute": 19}
